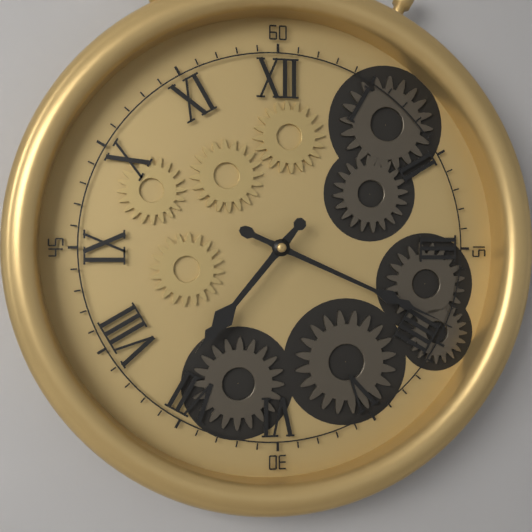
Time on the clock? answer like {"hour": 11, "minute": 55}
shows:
{"hour": 7, "minute": 19}
